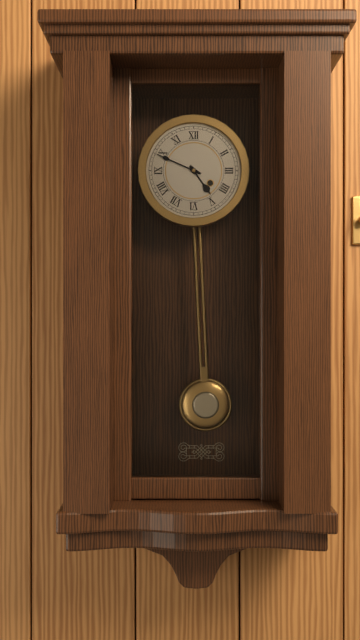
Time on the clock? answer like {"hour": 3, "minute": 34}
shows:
{"hour": 4, "minute": 49}
